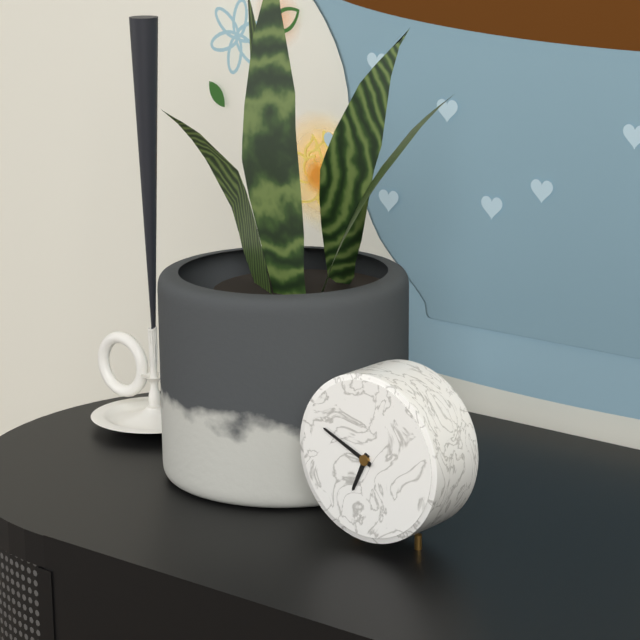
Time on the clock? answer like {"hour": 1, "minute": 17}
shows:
{"hour": 6, "minute": 49}
